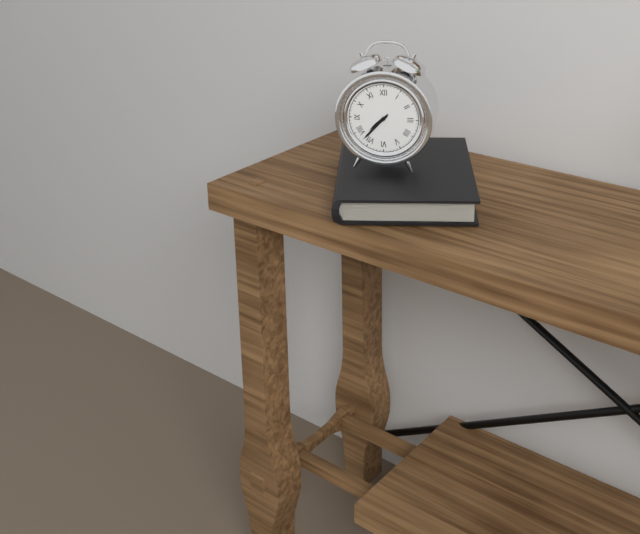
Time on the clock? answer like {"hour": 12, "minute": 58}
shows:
{"hour": 7, "minute": 37}
